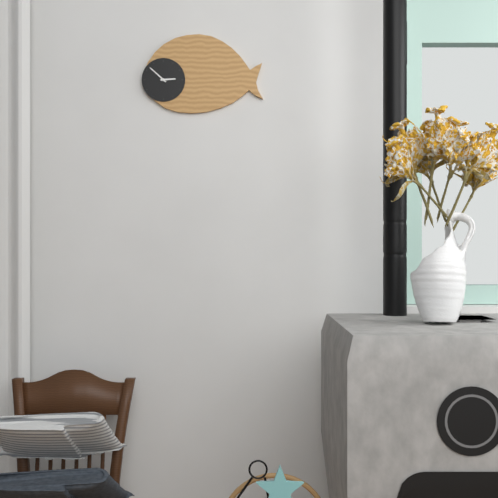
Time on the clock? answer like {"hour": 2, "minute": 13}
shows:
{"hour": 2, "minute": 52}
